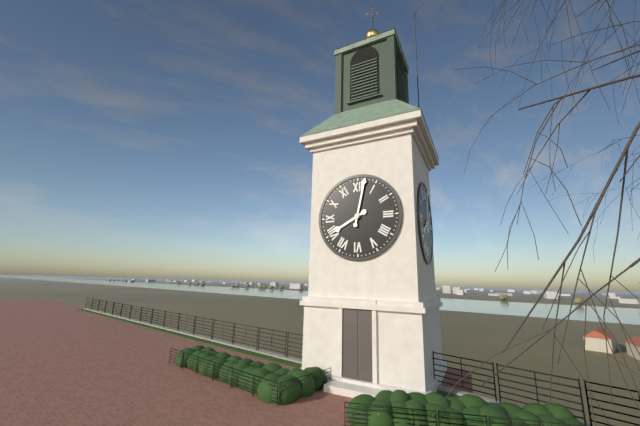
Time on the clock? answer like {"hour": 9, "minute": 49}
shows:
{"hour": 8, "minute": 2}
